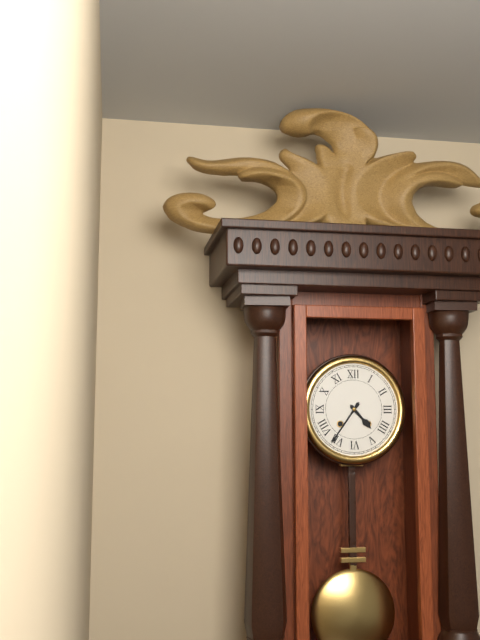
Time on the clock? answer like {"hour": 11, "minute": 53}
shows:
{"hour": 4, "minute": 36}
